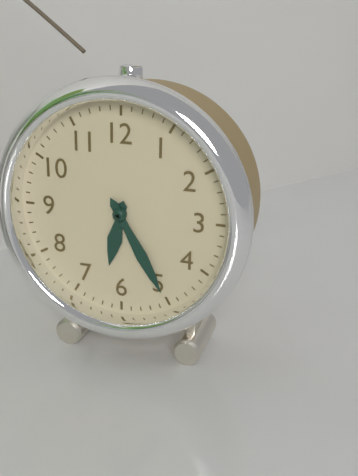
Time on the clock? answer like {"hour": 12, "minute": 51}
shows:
{"hour": 6, "minute": 25}
